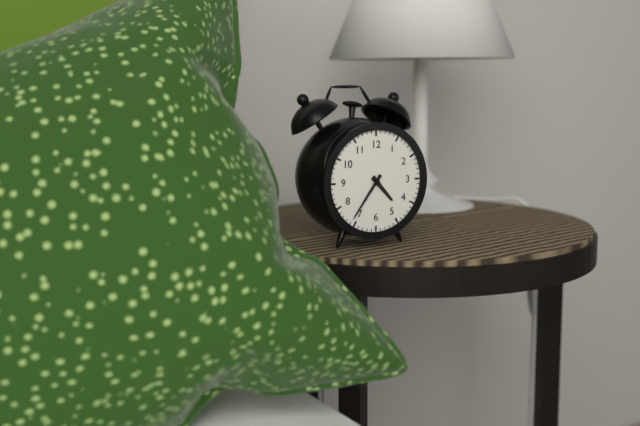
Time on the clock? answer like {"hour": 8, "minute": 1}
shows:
{"hour": 4, "minute": 36}
